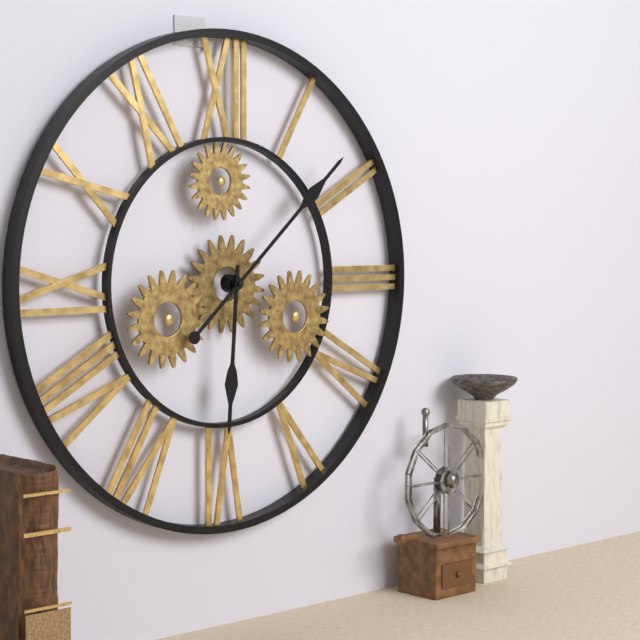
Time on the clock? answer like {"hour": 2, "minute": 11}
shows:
{"hour": 6, "minute": 8}
